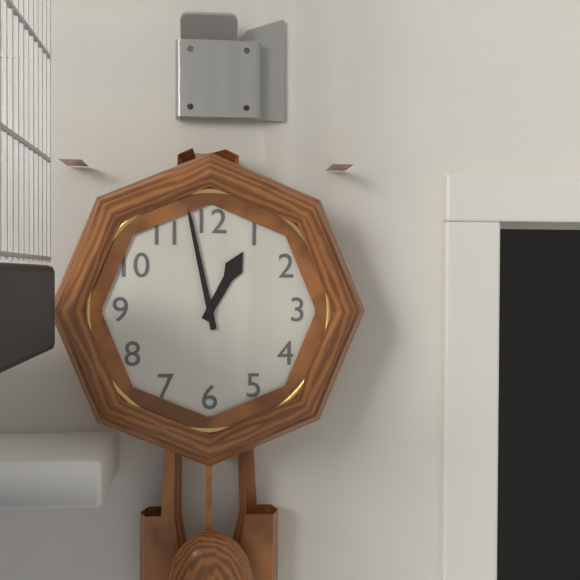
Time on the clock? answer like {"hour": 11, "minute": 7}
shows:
{"hour": 12, "minute": 58}
